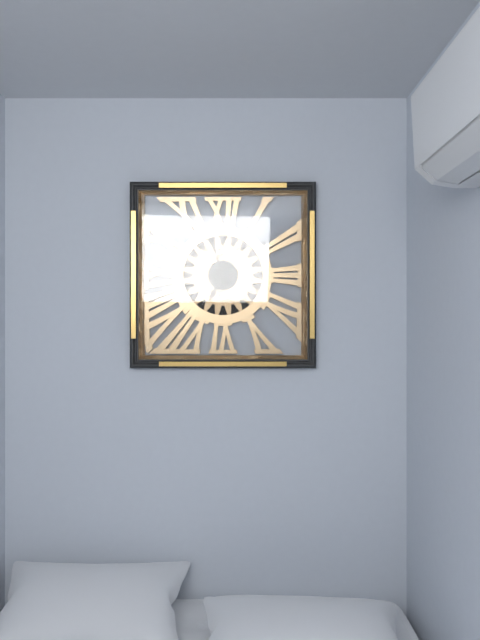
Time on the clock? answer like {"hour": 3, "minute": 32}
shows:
{"hour": 6, "minute": 57}
